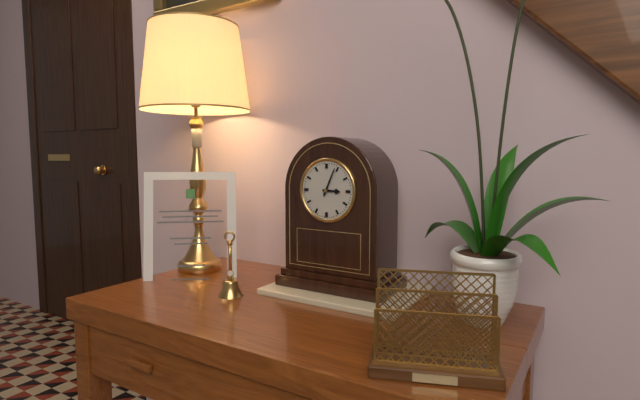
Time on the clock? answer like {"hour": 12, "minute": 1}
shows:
{"hour": 3, "minute": 4}
